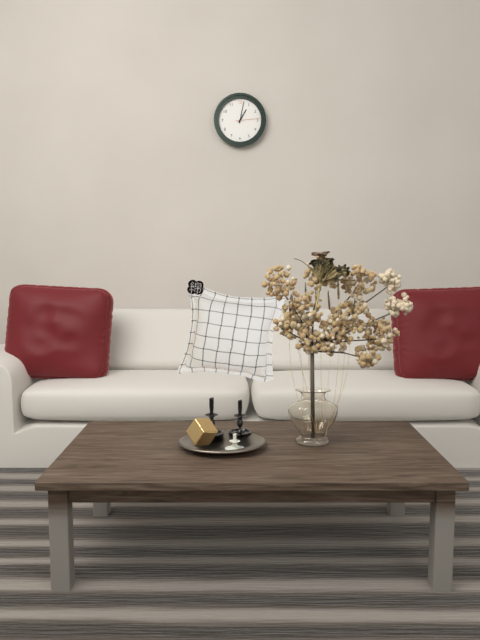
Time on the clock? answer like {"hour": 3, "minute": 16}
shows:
{"hour": 1, "minute": 2}
